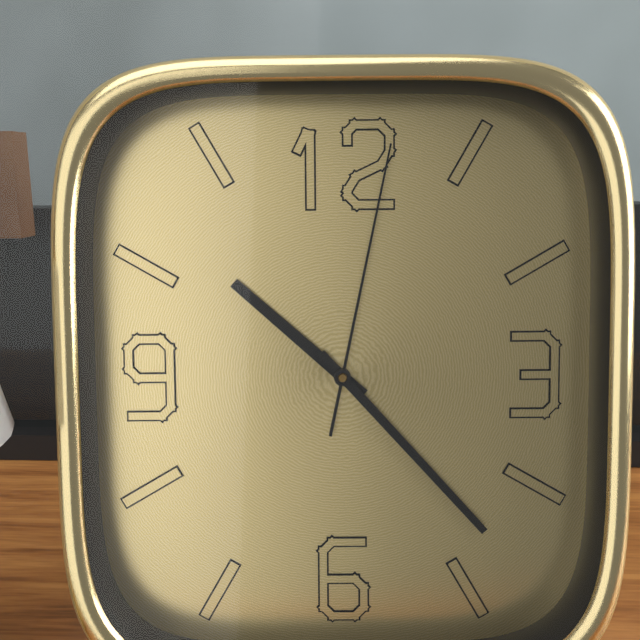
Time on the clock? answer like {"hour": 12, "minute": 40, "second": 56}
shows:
{"hour": 10, "minute": 23, "second": 2}
